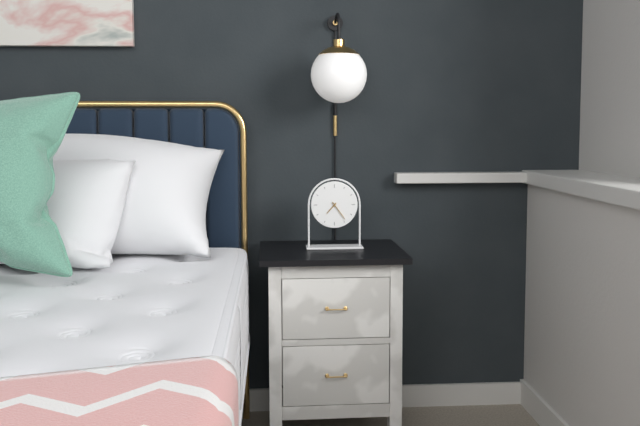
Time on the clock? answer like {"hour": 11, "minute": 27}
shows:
{"hour": 7, "minute": 24}
